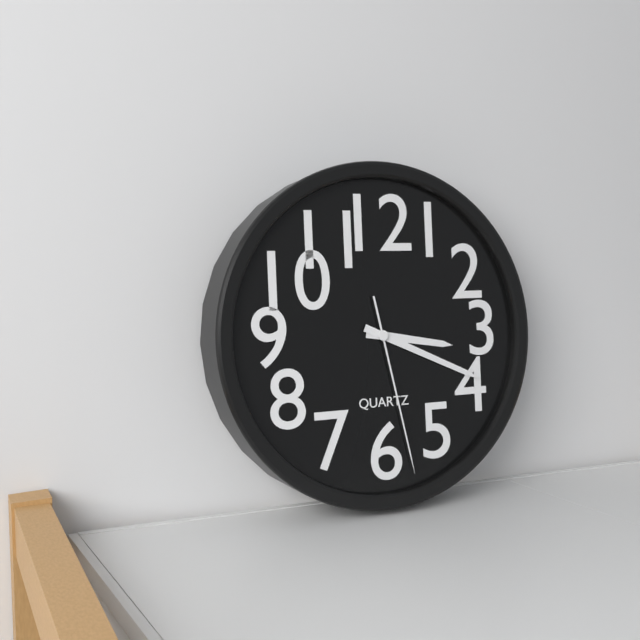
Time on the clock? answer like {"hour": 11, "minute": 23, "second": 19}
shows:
{"hour": 3, "minute": 19, "second": 28}
